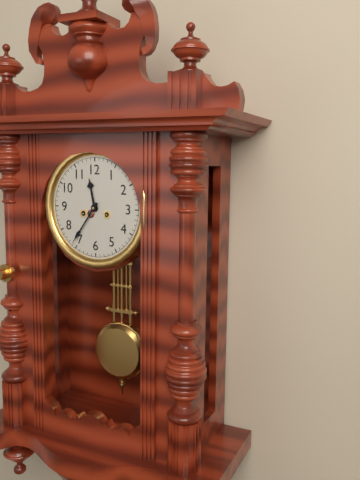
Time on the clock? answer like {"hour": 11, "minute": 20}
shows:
{"hour": 11, "minute": 36}
